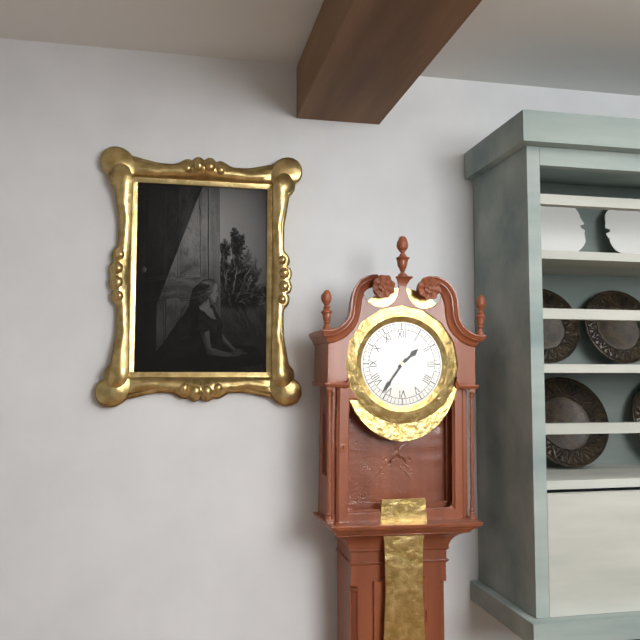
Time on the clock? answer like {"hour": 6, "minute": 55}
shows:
{"hour": 1, "minute": 36}
